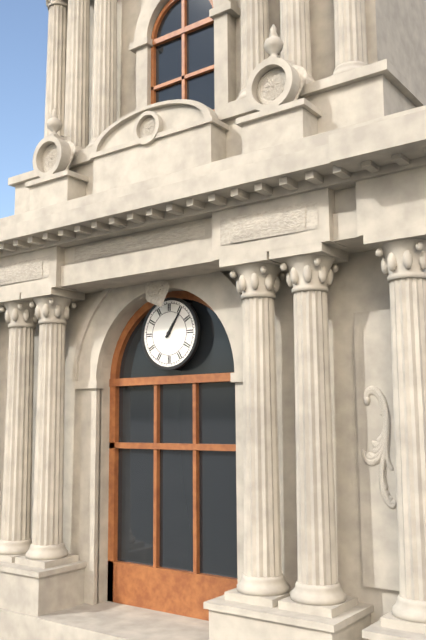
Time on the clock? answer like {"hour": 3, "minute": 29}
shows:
{"hour": 1, "minute": 6}
